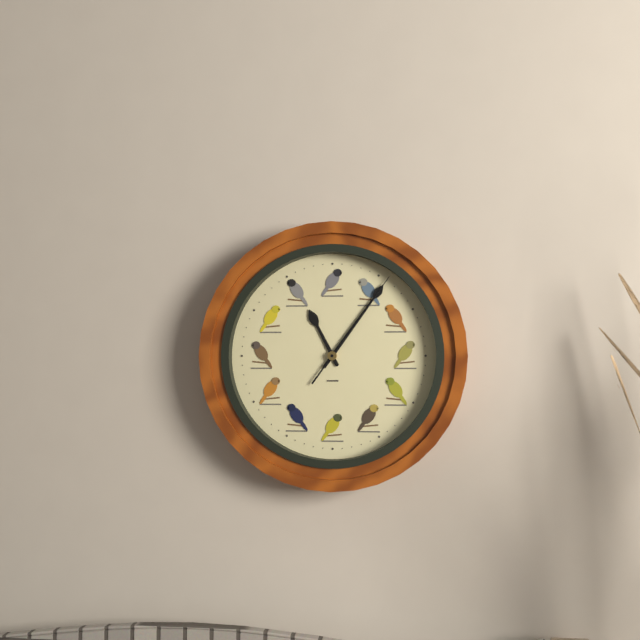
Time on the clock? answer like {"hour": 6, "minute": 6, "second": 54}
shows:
{"hour": 11, "minute": 6, "second": 6}
